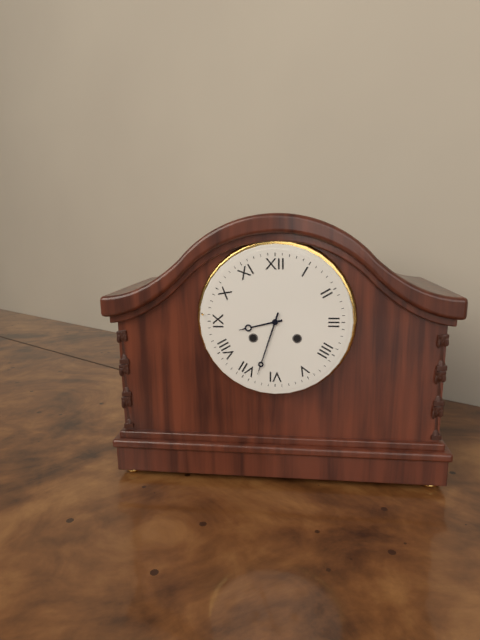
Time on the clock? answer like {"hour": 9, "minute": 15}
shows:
{"hour": 8, "minute": 33}
